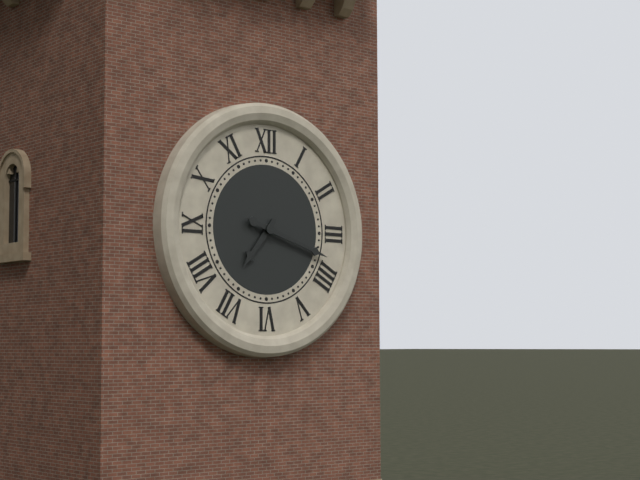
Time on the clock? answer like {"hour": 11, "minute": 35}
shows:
{"hour": 7, "minute": 18}
